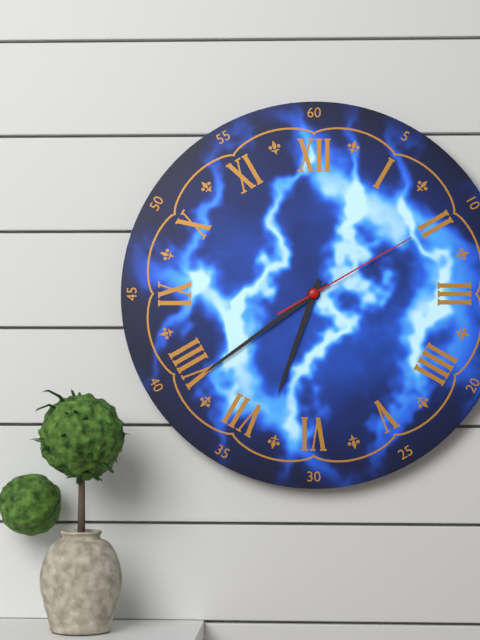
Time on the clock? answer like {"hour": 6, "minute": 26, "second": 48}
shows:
{"hour": 6, "minute": 39, "second": 10}
